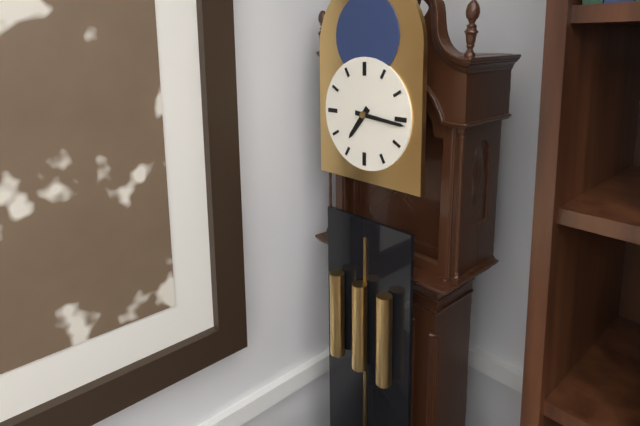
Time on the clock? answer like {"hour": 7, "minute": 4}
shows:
{"hour": 7, "minute": 16}
